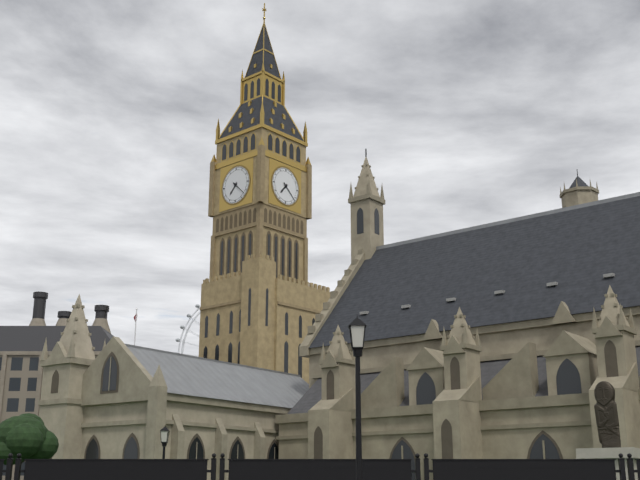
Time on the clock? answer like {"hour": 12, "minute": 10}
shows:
{"hour": 7, "minute": 22}
